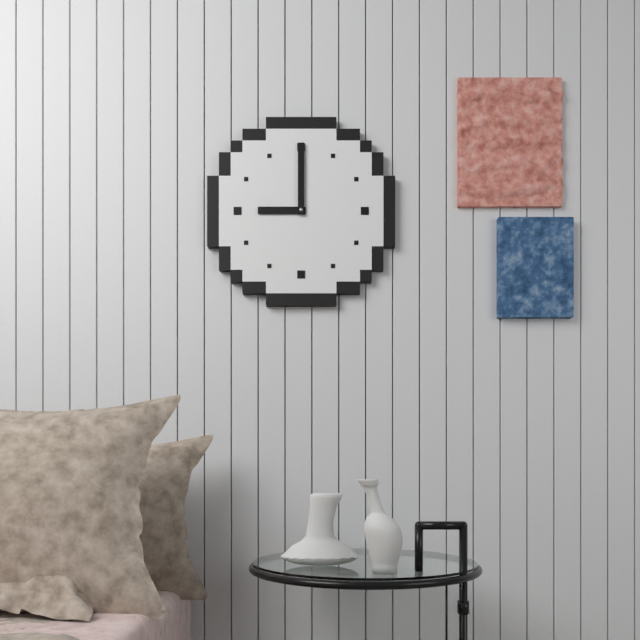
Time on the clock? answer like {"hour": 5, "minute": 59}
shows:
{"hour": 9, "minute": 0}
